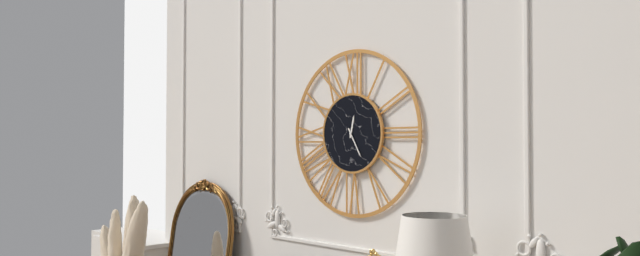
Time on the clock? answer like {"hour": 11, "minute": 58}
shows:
{"hour": 12, "minute": 25}
